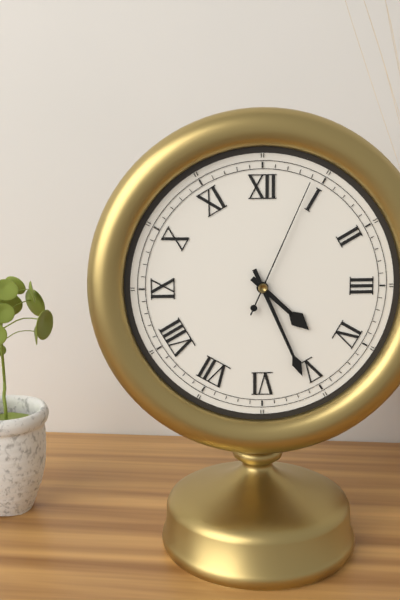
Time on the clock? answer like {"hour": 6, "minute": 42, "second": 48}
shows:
{"hour": 4, "minute": 26, "second": 4}
